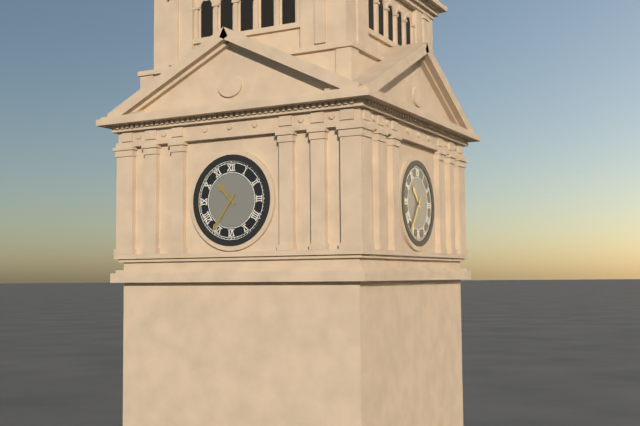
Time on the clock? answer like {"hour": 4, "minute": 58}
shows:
{"hour": 10, "minute": 36}
